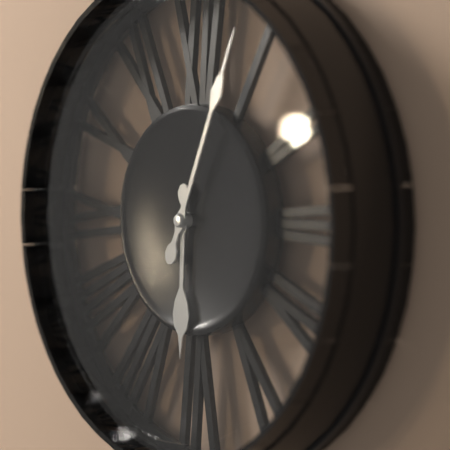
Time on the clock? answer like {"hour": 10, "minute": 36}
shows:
{"hour": 6, "minute": 4}
